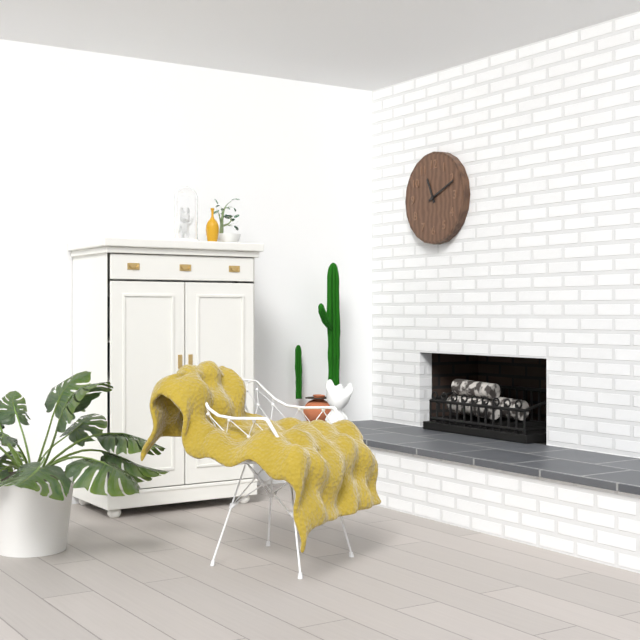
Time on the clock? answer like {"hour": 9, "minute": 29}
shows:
{"hour": 11, "minute": 11}
